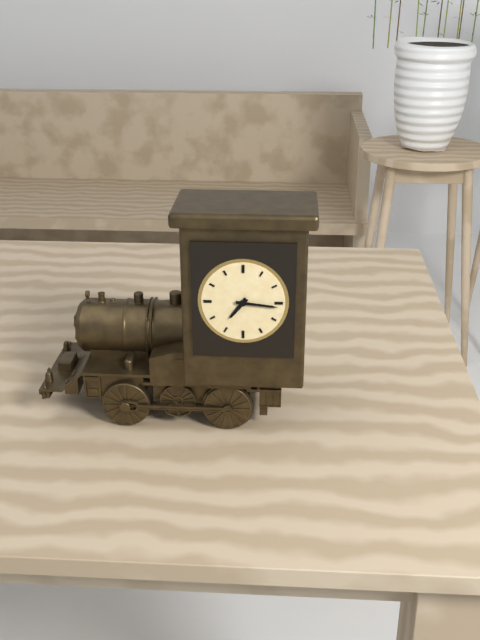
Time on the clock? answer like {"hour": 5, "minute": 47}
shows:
{"hour": 7, "minute": 16}
